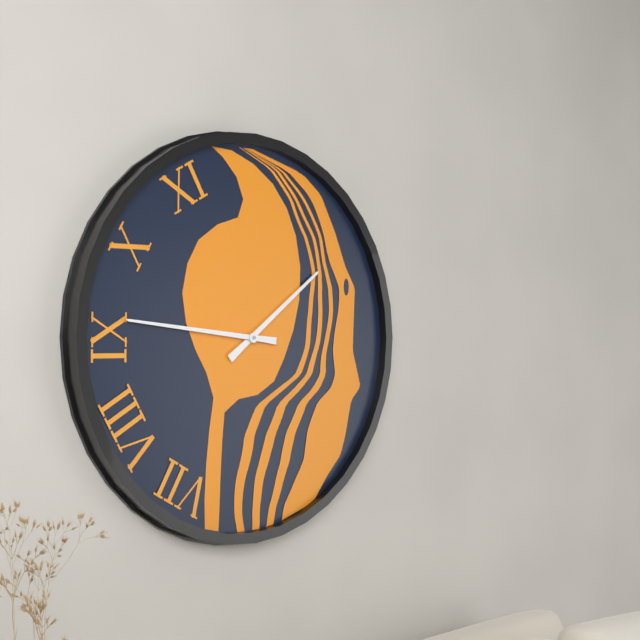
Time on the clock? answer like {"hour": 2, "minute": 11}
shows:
{"hour": 1, "minute": 46}
